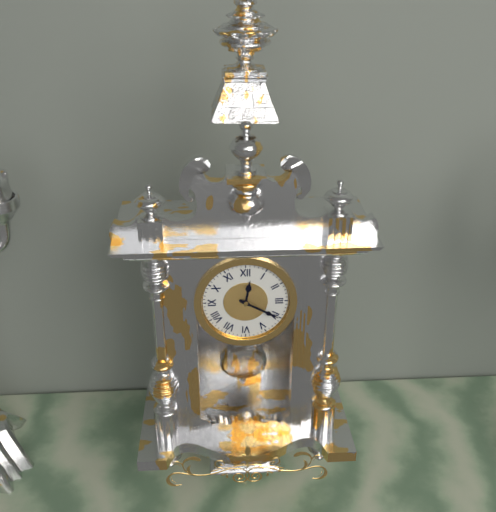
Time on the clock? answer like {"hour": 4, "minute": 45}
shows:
{"hour": 12, "minute": 20}
